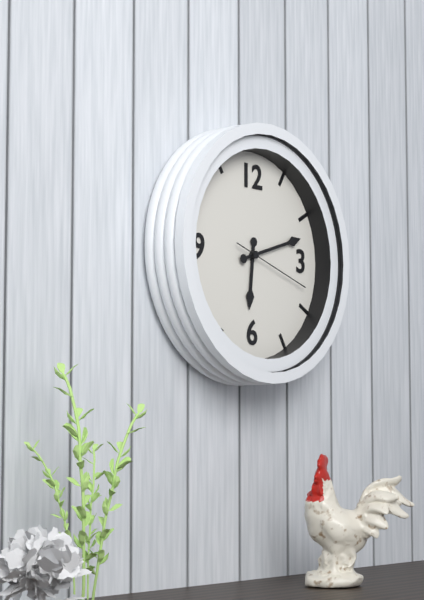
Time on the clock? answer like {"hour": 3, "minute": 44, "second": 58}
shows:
{"hour": 6, "minute": 12, "second": 18}
